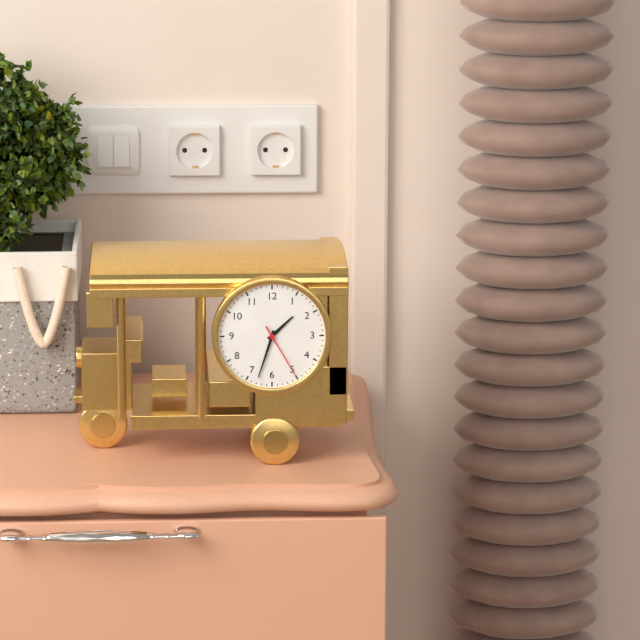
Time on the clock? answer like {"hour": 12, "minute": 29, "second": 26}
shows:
{"hour": 1, "minute": 33, "second": 25}
